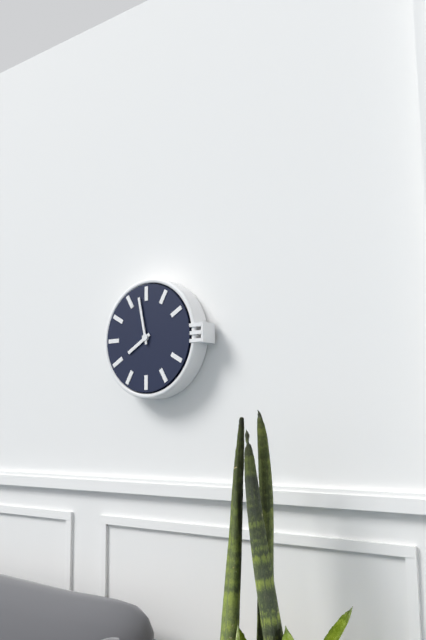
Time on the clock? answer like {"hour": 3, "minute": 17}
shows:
{"hour": 7, "minute": 58}
